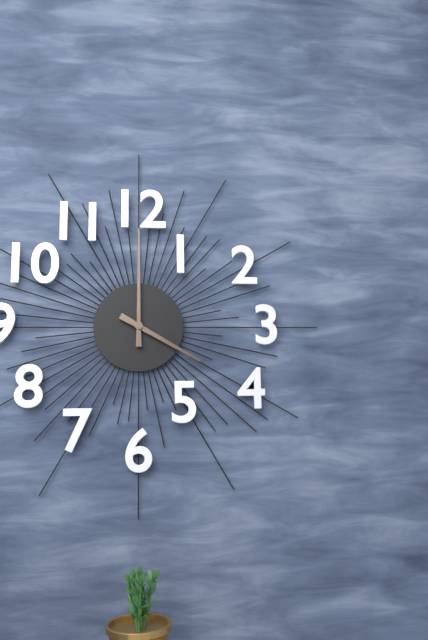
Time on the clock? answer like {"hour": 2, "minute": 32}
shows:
{"hour": 4, "minute": 0}
